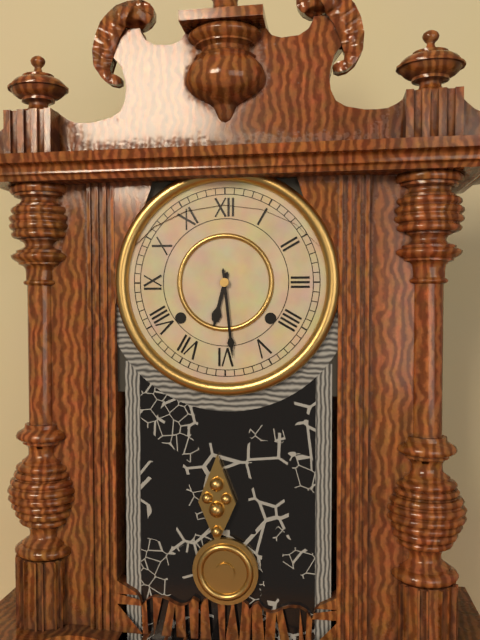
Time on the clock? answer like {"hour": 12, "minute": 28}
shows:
{"hour": 6, "minute": 29}
